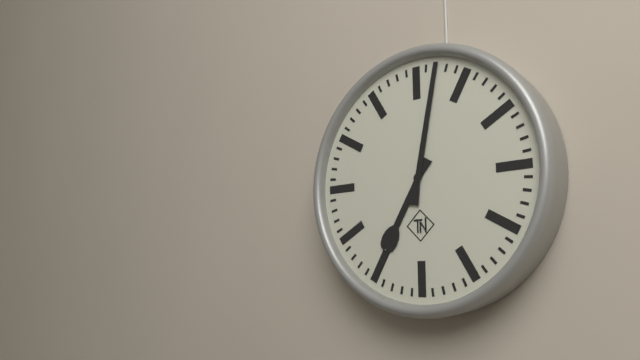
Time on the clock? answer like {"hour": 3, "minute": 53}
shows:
{"hour": 7, "minute": 2}
